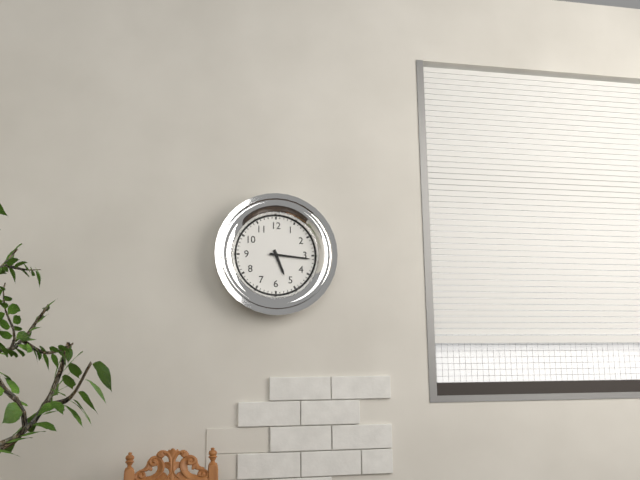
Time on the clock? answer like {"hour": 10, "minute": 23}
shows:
{"hour": 5, "minute": 16}
